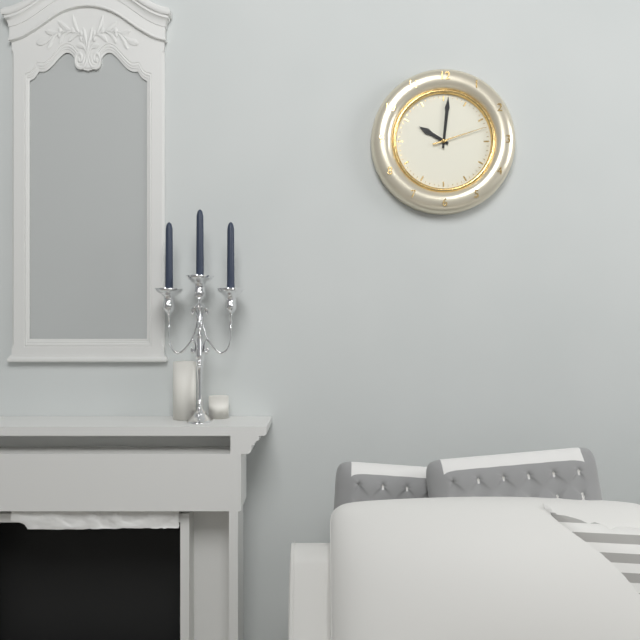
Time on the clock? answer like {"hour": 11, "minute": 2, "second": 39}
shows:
{"hour": 10, "minute": 1, "second": 12}
